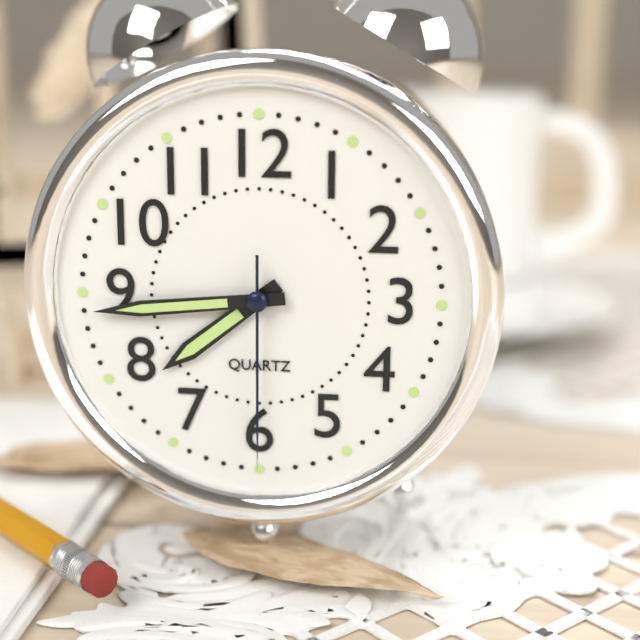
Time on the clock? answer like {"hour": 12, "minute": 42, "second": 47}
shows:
{"hour": 7, "minute": 44, "second": 30}
